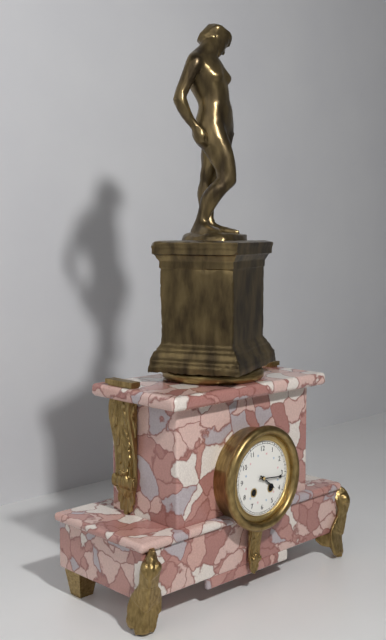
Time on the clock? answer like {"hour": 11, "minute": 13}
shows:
{"hour": 4, "minute": 16}
